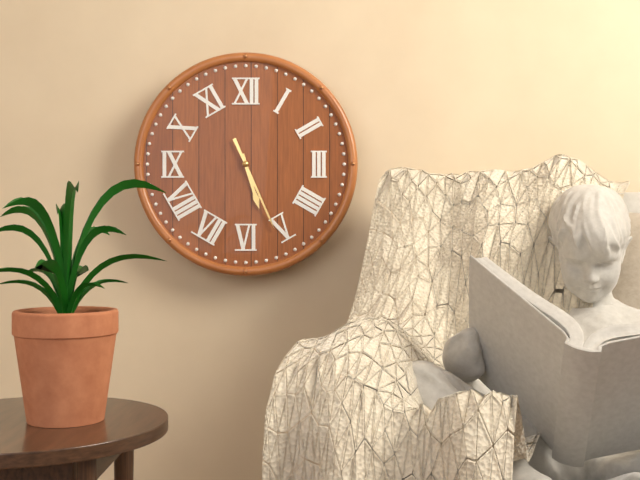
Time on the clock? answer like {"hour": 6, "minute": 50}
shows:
{"hour": 5, "minute": 26}
